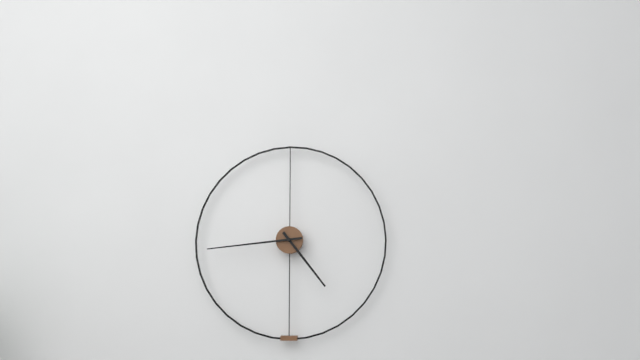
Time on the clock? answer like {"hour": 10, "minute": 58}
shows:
{"hour": 4, "minute": 44}
